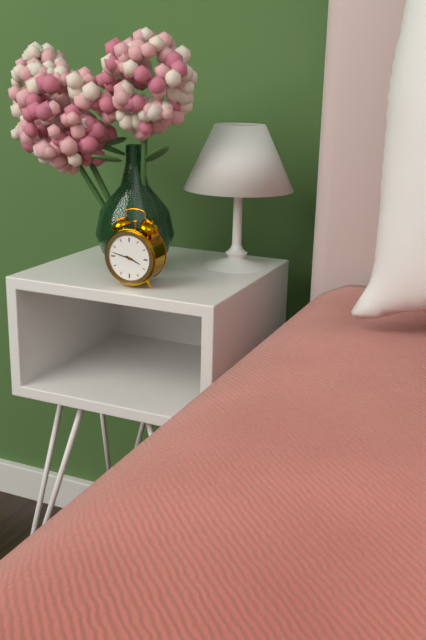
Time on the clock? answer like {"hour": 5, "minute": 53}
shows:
{"hour": 3, "minute": 47}
